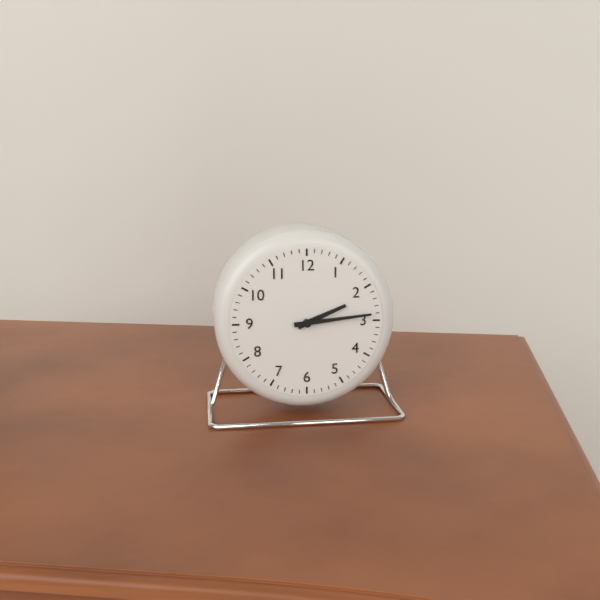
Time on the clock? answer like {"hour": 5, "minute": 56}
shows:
{"hour": 2, "minute": 14}
